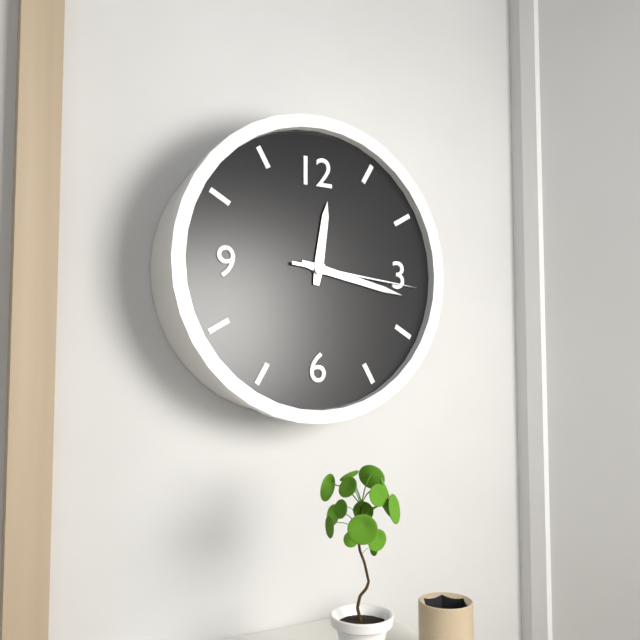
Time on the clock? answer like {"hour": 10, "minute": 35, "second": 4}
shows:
{"hour": 12, "minute": 17, "second": 16}
